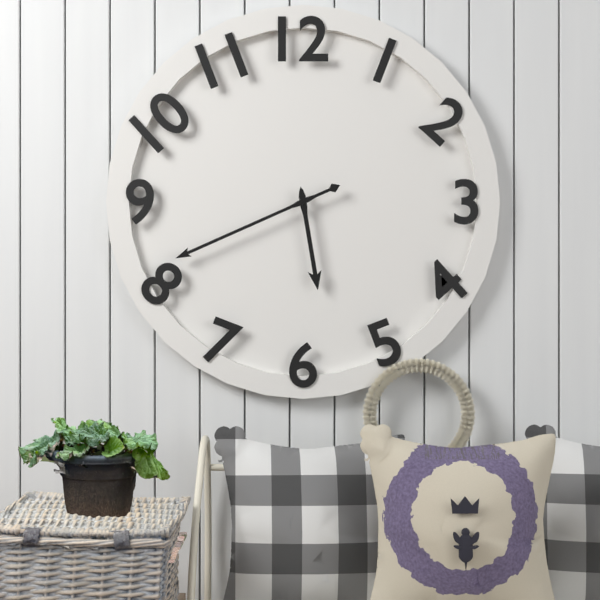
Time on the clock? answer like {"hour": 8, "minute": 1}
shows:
{"hour": 5, "minute": 41}
